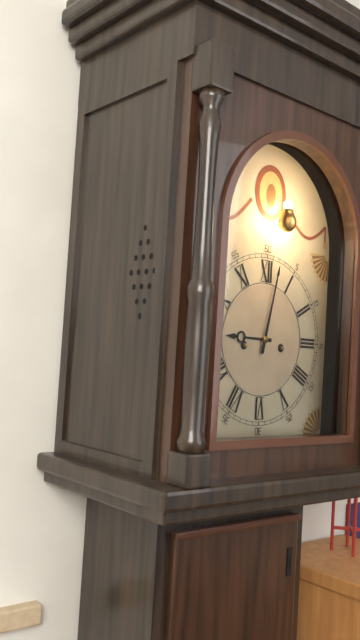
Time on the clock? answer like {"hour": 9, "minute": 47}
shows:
{"hour": 9, "minute": 2}
